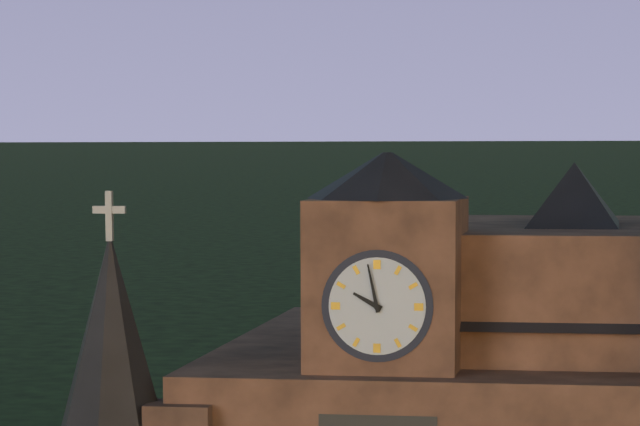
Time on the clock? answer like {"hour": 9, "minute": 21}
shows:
{"hour": 9, "minute": 58}
